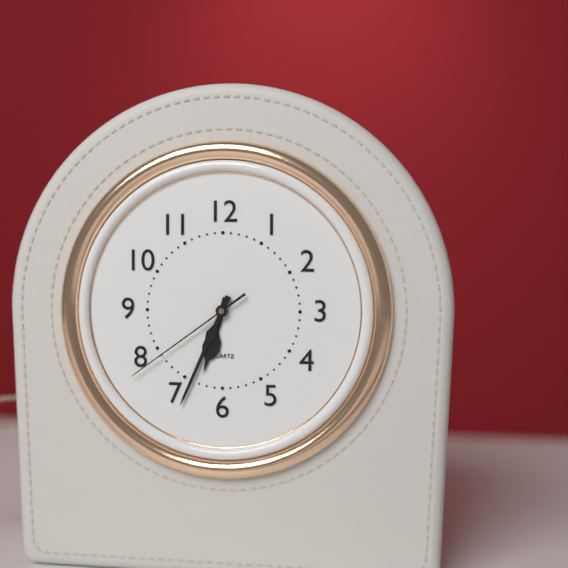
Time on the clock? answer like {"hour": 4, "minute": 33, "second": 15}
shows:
{"hour": 6, "minute": 34, "second": 39}
